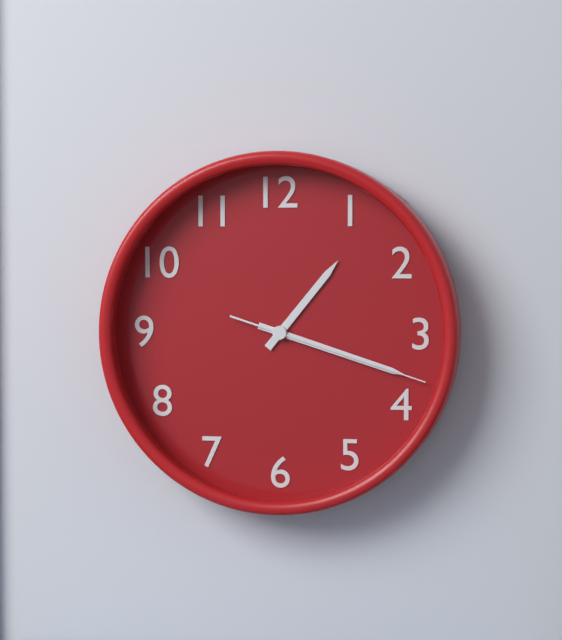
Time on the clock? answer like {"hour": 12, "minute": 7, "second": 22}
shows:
{"hour": 1, "minute": 18, "second": 18}
